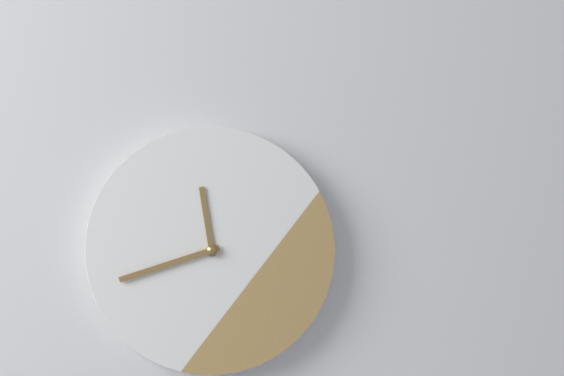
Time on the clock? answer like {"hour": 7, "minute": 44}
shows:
{"hour": 11, "minute": 42}
